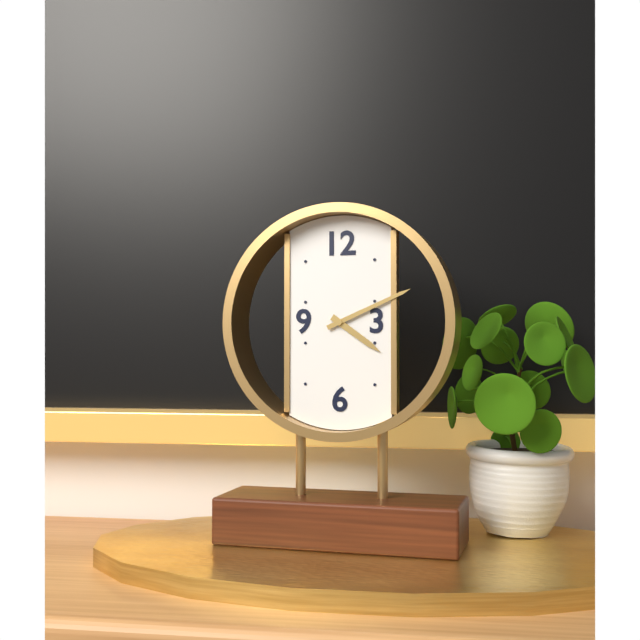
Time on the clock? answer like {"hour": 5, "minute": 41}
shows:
{"hour": 4, "minute": 11}
